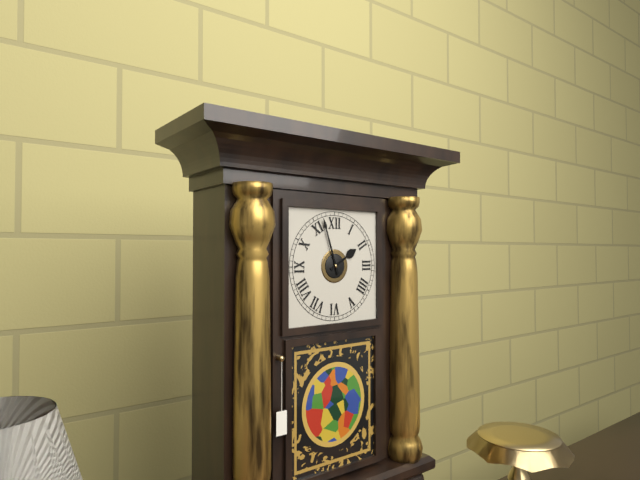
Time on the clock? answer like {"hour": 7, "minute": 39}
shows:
{"hour": 1, "minute": 57}
